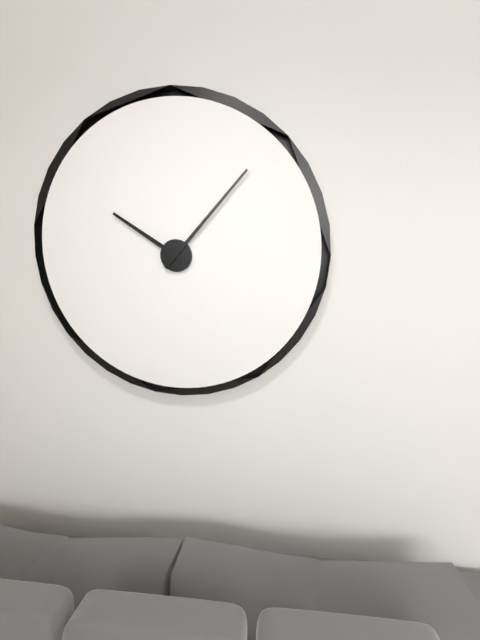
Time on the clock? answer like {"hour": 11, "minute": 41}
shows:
{"hour": 10, "minute": 7}
